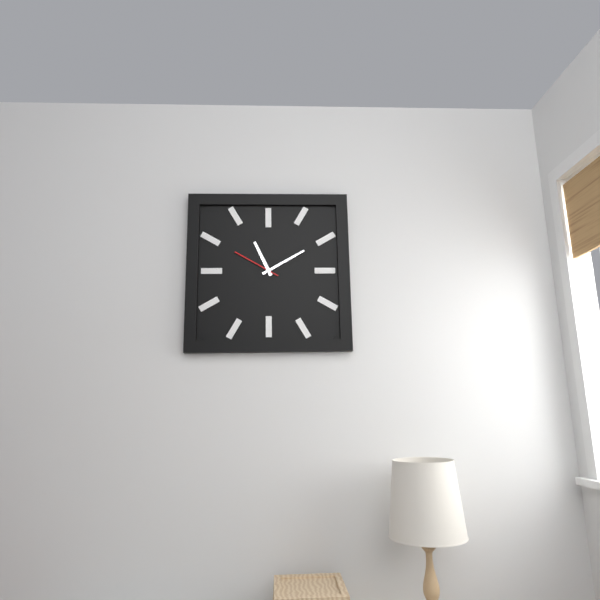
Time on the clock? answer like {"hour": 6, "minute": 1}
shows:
{"hour": 11, "minute": 10}
